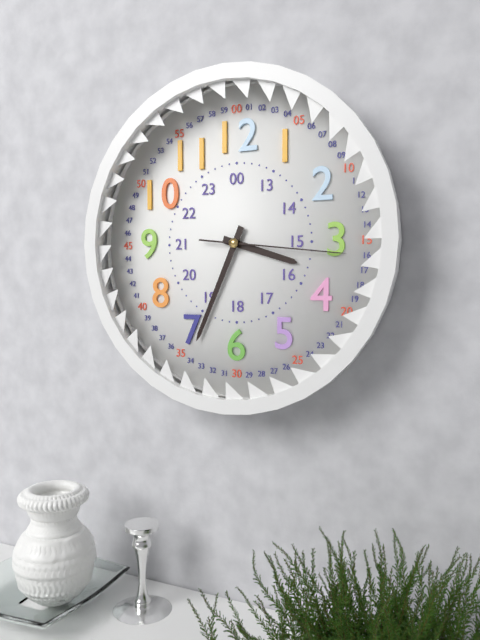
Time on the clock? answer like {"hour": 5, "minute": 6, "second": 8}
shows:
{"hour": 3, "minute": 34, "second": 16}
